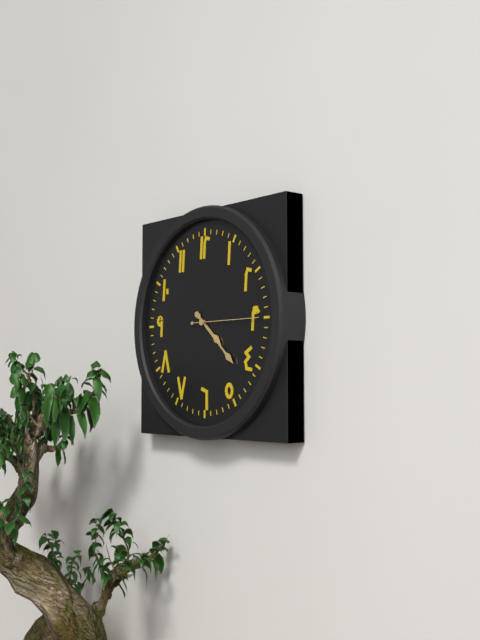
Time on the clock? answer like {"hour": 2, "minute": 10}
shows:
{"hour": 4, "minute": 22}
